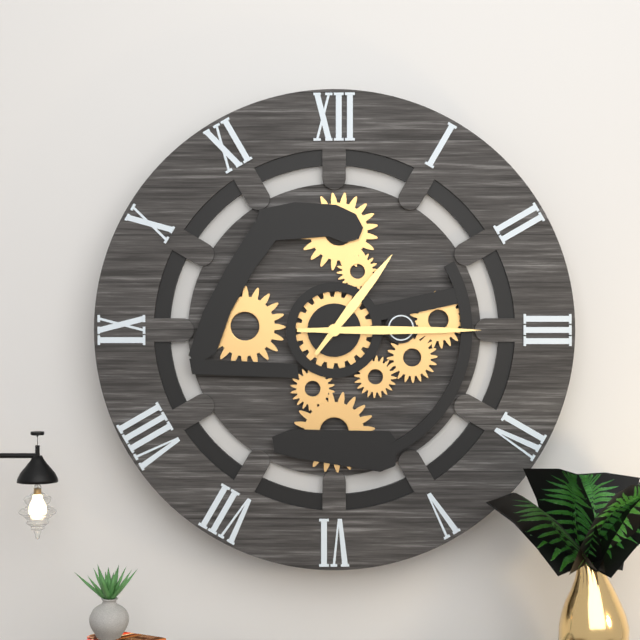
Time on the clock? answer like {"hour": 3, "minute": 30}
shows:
{"hour": 1, "minute": 15}
